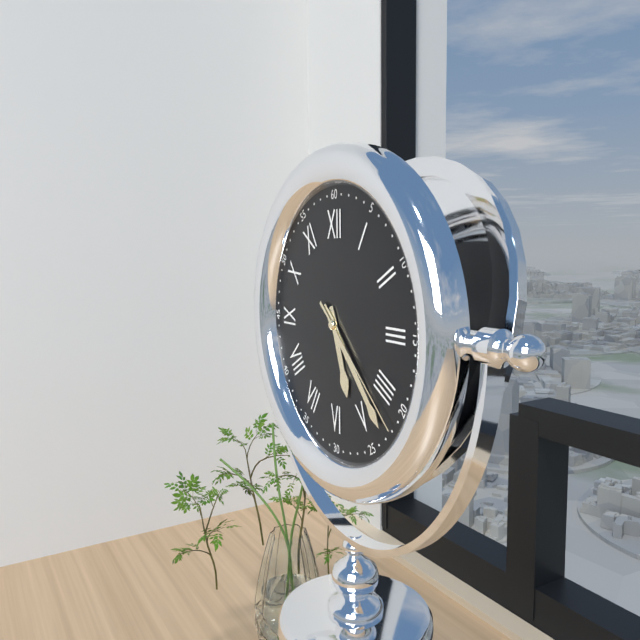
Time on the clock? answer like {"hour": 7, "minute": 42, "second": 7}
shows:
{"hour": 5, "minute": 23, "second": 22}
